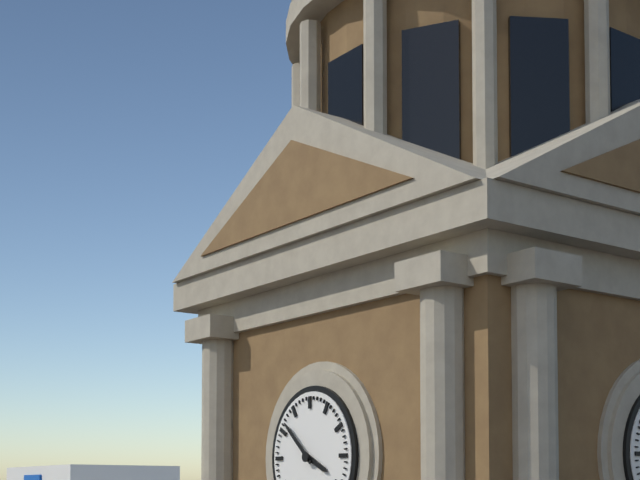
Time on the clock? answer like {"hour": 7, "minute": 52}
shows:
{"hour": 3, "minute": 52}
